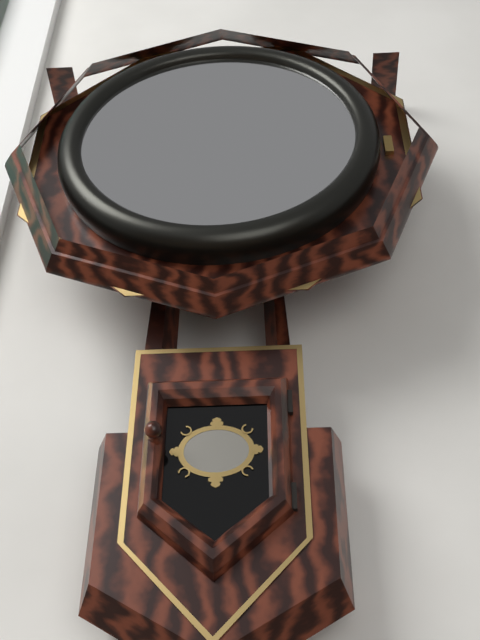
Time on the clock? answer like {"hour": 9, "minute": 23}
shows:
{"hour": 10, "minute": 3}
